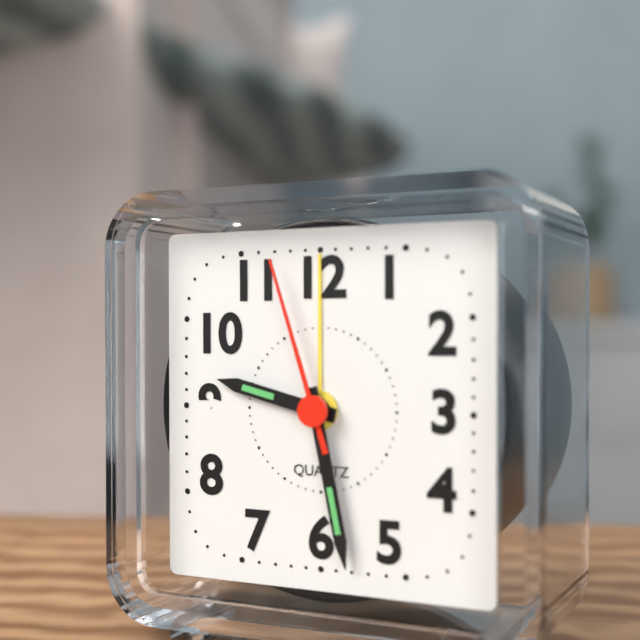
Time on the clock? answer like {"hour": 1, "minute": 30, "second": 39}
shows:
{"hour": 9, "minute": 28, "second": 57}
